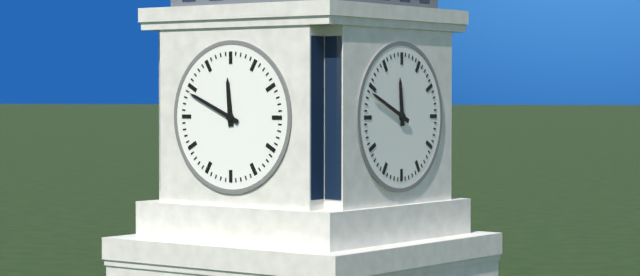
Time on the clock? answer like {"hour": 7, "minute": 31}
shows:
{"hour": 11, "minute": 49}
